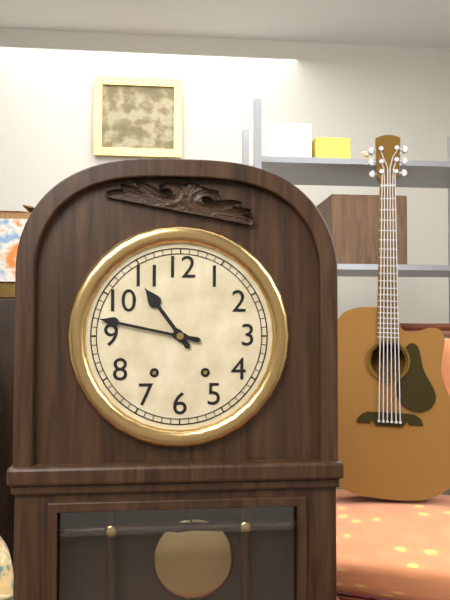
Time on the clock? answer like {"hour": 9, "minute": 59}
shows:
{"hour": 10, "minute": 47}
